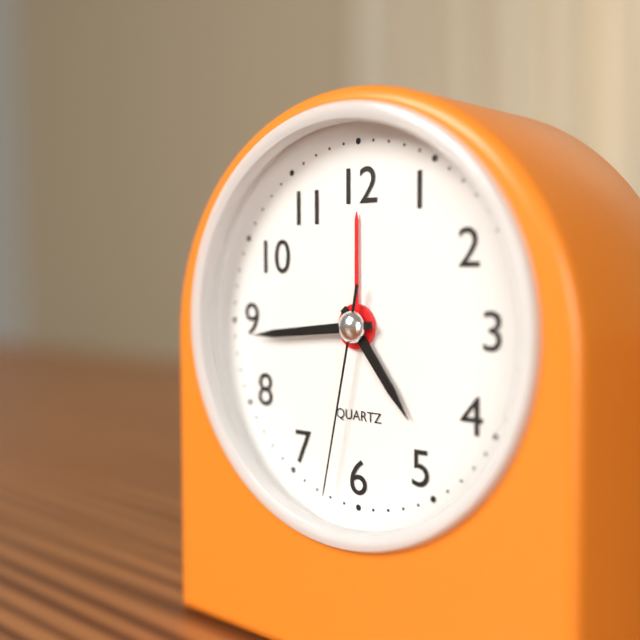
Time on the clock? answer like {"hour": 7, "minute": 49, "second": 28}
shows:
{"hour": 4, "minute": 44, "second": 32}
